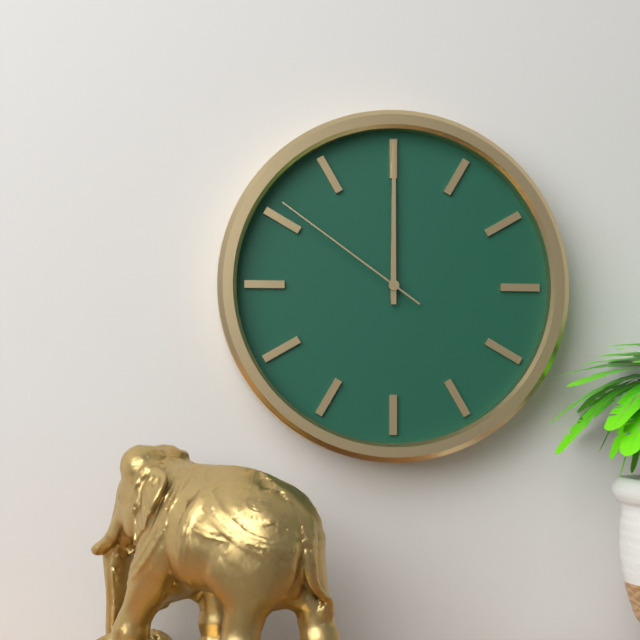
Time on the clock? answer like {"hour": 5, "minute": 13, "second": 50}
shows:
{"hour": 12, "minute": 0, "second": 51}
